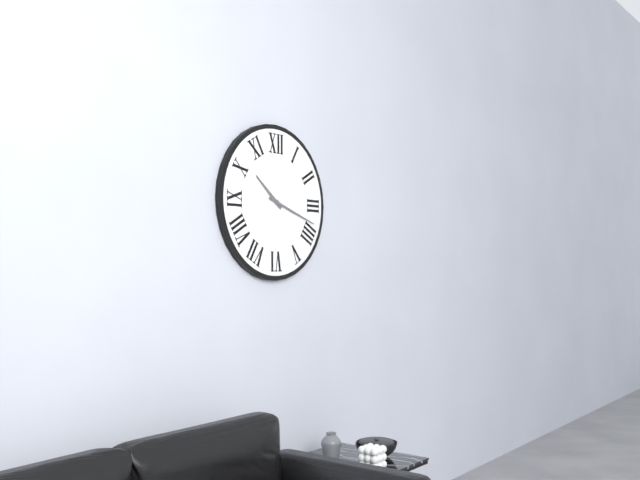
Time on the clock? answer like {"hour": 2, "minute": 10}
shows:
{"hour": 10, "minute": 18}
